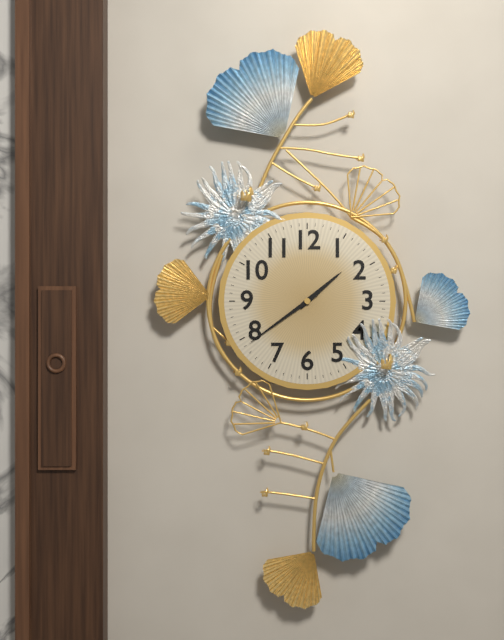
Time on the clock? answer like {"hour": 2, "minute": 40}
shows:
{"hour": 1, "minute": 39}
